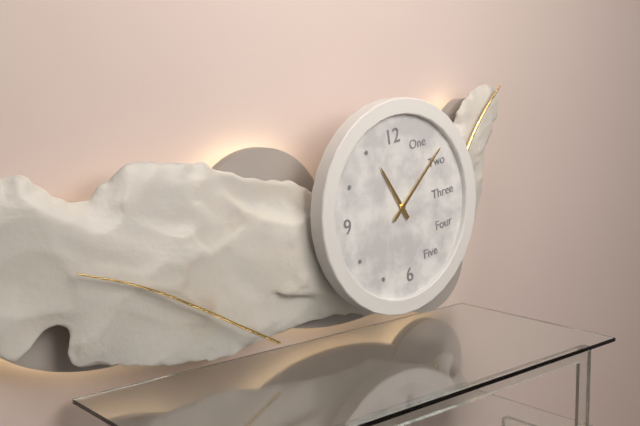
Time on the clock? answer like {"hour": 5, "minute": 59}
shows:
{"hour": 11, "minute": 9}
